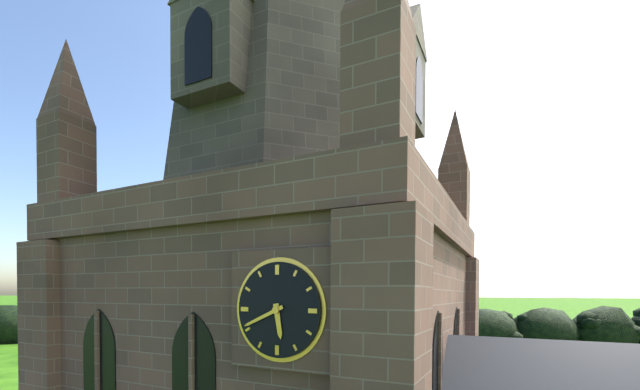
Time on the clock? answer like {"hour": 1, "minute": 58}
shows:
{"hour": 5, "minute": 41}
